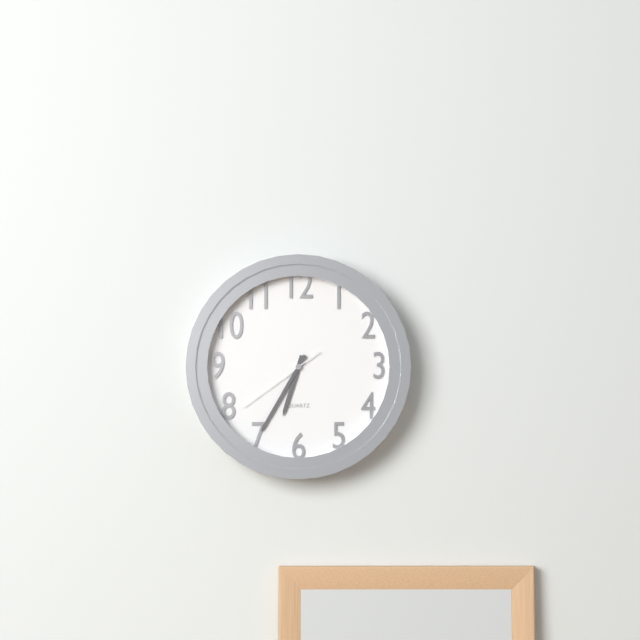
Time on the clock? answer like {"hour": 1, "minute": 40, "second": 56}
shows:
{"hour": 6, "minute": 35, "second": 39}
